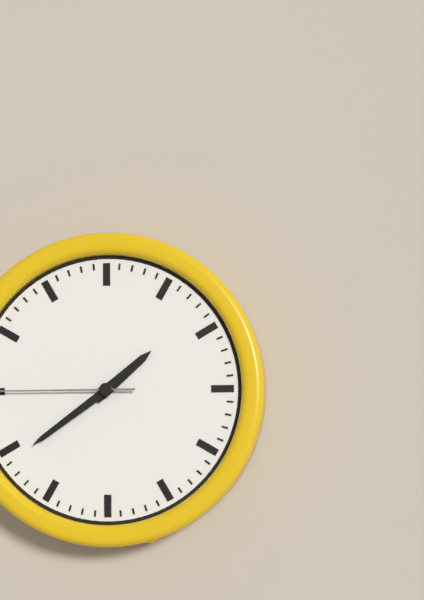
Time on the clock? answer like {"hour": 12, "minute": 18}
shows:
{"hour": 1, "minute": 39}
